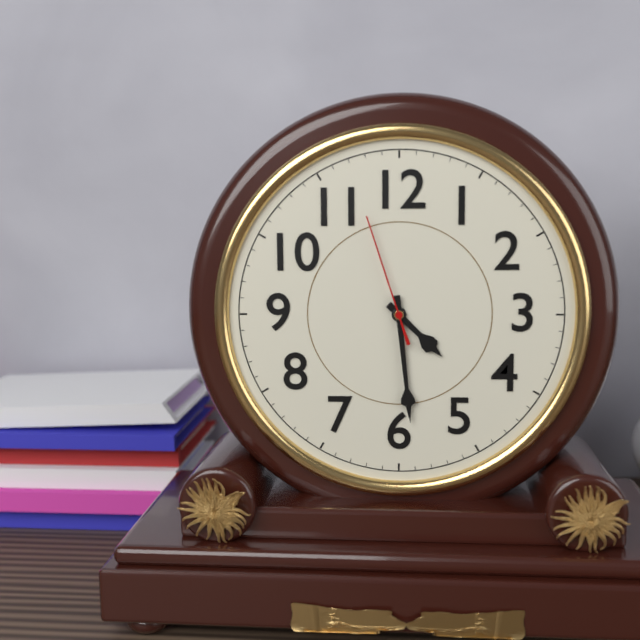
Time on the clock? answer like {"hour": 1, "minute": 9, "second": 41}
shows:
{"hour": 4, "minute": 29, "second": 57}
